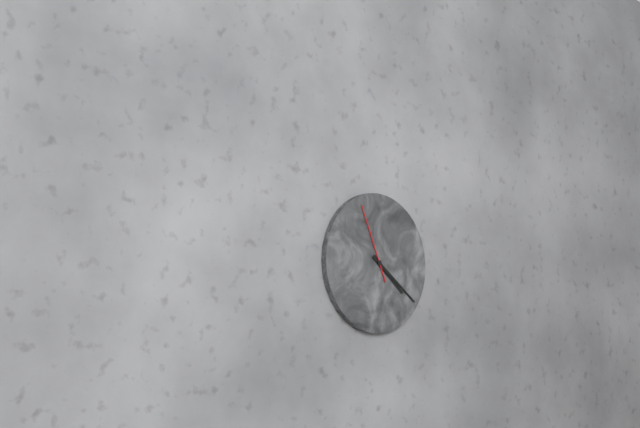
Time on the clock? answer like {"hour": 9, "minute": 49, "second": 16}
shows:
{"hour": 4, "minute": 21, "second": 56}
